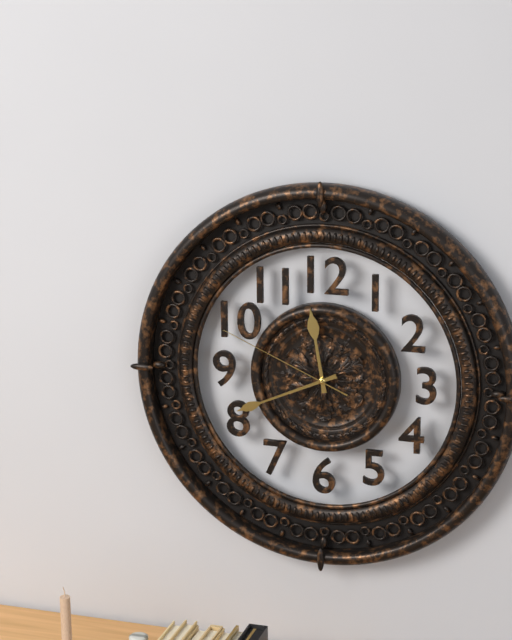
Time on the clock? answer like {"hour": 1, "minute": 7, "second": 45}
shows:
{"hour": 11, "minute": 41, "second": 49}
